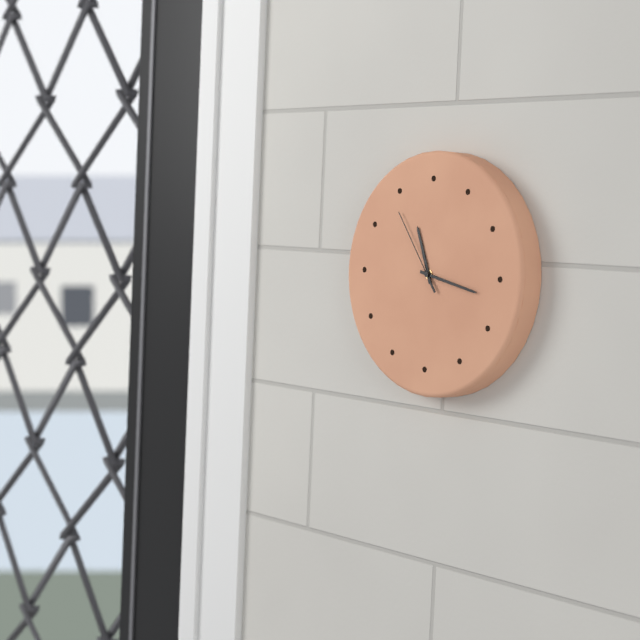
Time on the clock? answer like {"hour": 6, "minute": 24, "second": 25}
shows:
{"hour": 11, "minute": 17, "second": 54}
